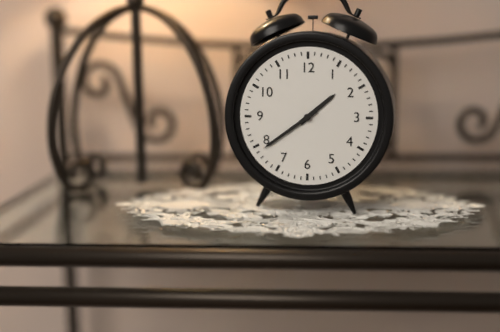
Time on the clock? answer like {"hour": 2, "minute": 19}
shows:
{"hour": 1, "minute": 39}
